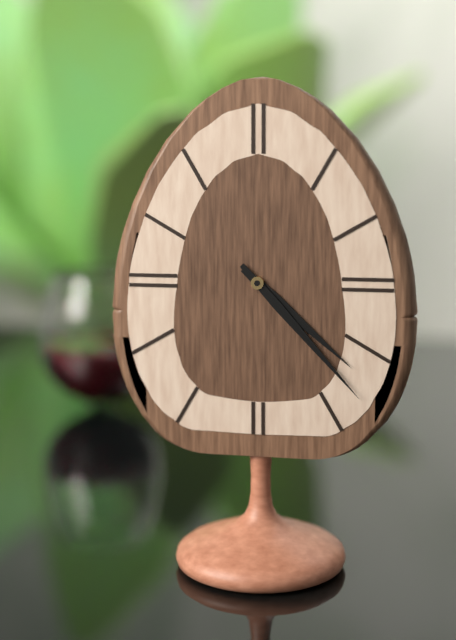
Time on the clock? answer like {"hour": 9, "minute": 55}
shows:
{"hour": 4, "minute": 23}
